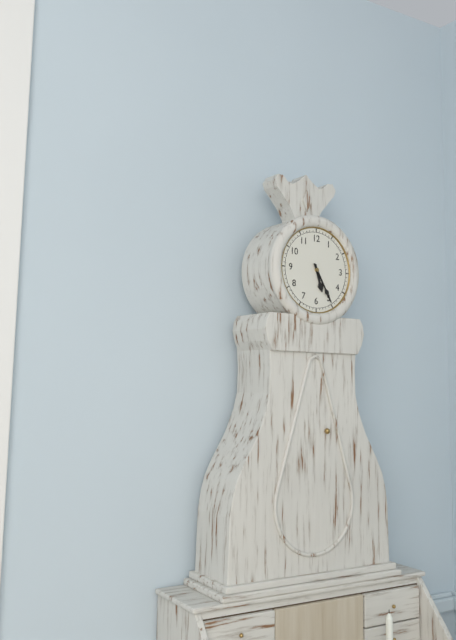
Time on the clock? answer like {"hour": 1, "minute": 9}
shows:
{"hour": 5, "minute": 25}
